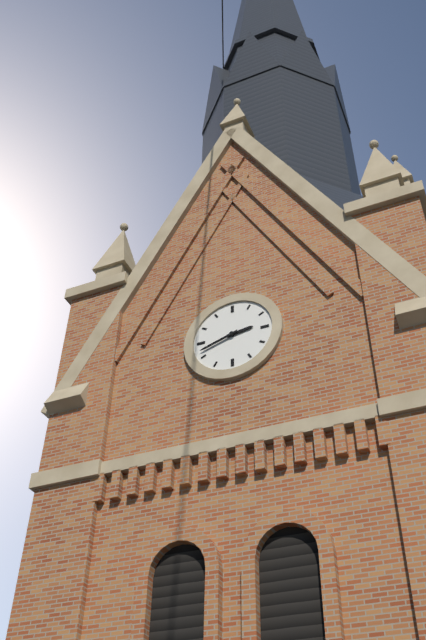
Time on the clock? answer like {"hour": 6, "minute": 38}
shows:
{"hour": 2, "minute": 42}
